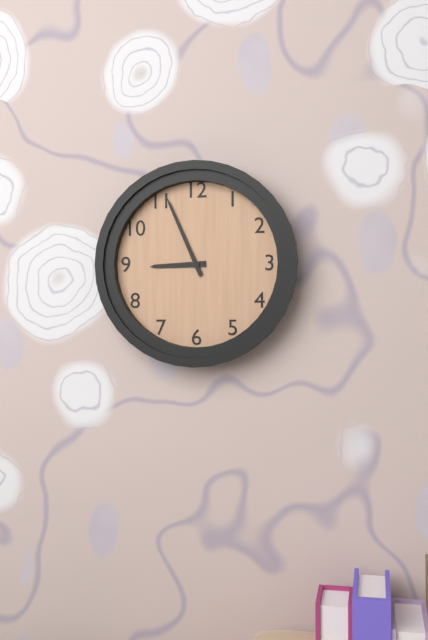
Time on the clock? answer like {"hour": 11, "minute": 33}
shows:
{"hour": 8, "minute": 56}
